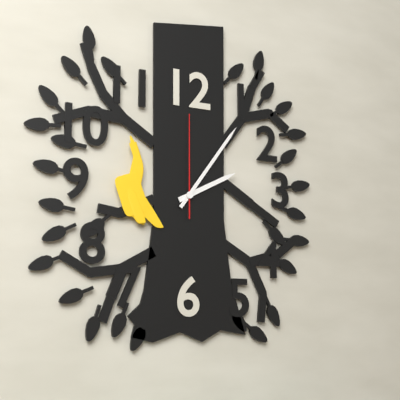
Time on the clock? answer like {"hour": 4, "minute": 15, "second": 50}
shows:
{"hour": 2, "minute": 6, "second": 0}
